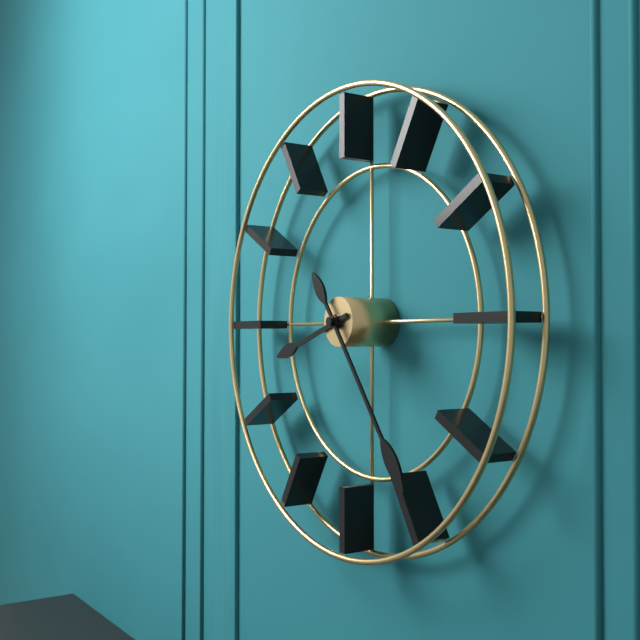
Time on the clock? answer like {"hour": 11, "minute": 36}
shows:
{"hour": 8, "minute": 24}
